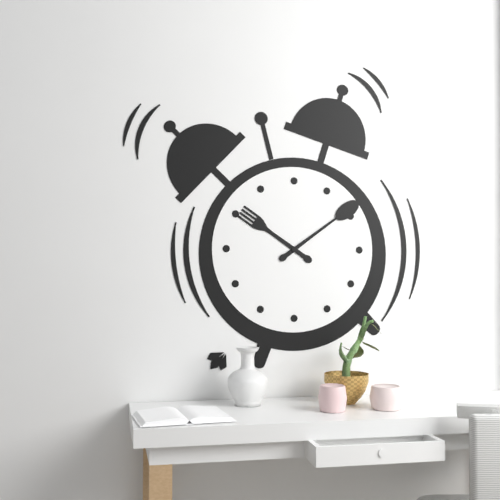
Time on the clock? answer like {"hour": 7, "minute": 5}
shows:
{"hour": 10, "minute": 9}
